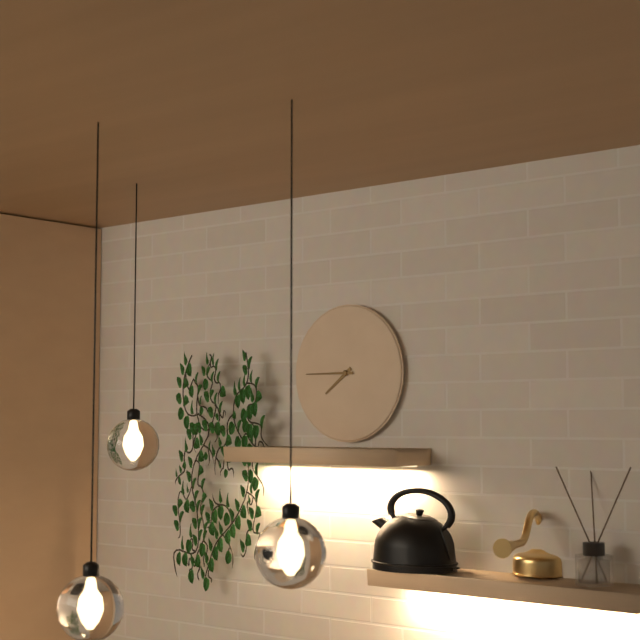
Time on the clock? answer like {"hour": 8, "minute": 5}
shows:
{"hour": 7, "minute": 45}
